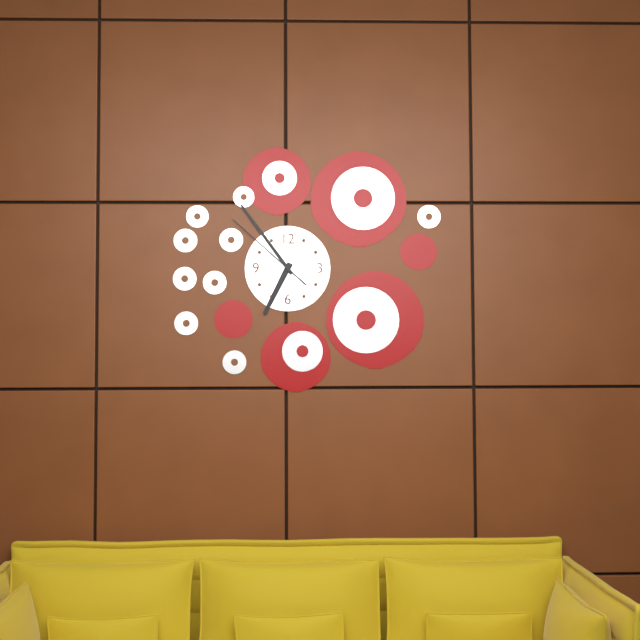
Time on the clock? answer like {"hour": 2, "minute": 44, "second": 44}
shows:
{"hour": 6, "minute": 54, "second": 52}
